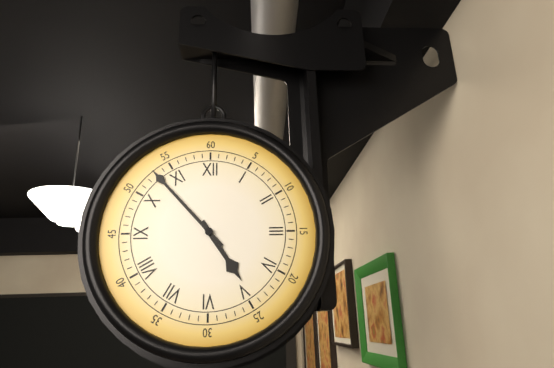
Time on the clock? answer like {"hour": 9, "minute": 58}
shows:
{"hour": 4, "minute": 53}
